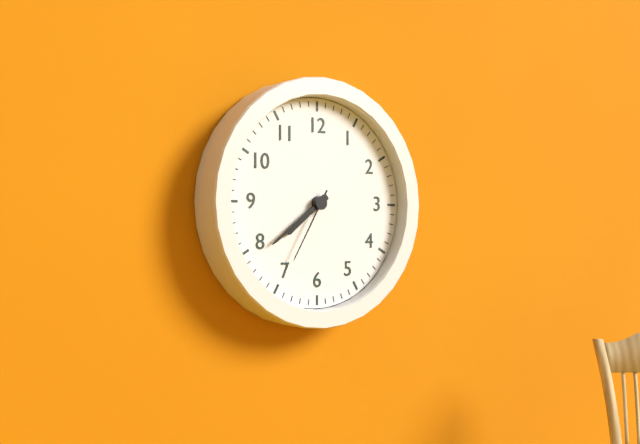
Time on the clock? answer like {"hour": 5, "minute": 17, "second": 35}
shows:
{"hour": 7, "minute": 39, "second": 35}
